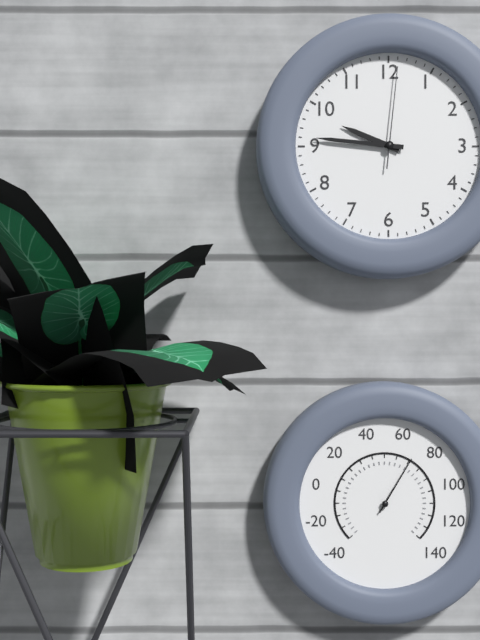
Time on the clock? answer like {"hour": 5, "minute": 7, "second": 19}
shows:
{"hour": 9, "minute": 46, "second": 1}
